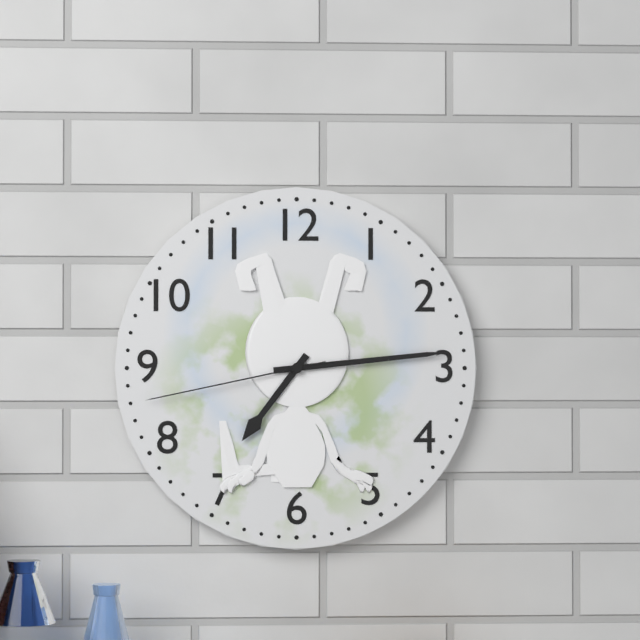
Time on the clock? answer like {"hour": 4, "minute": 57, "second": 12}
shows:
{"hour": 7, "minute": 14, "second": 43}
